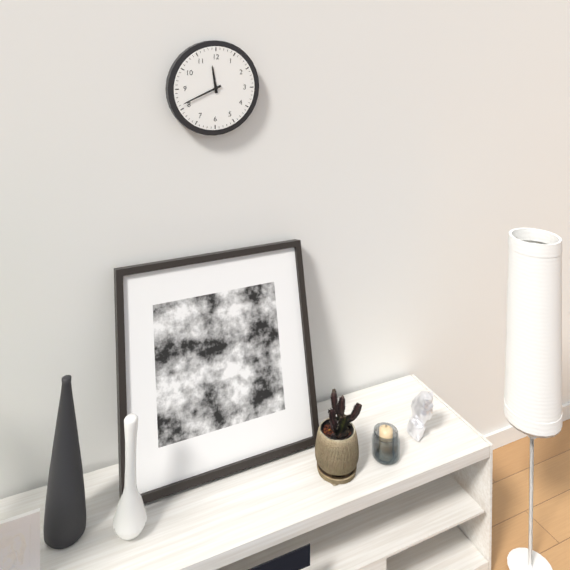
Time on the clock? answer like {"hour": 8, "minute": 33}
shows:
{"hour": 11, "minute": 41}
